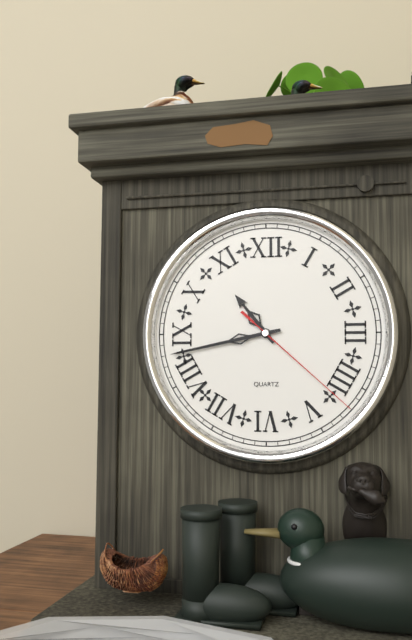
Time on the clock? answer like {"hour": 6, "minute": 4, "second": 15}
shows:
{"hour": 10, "minute": 43, "second": 22}
